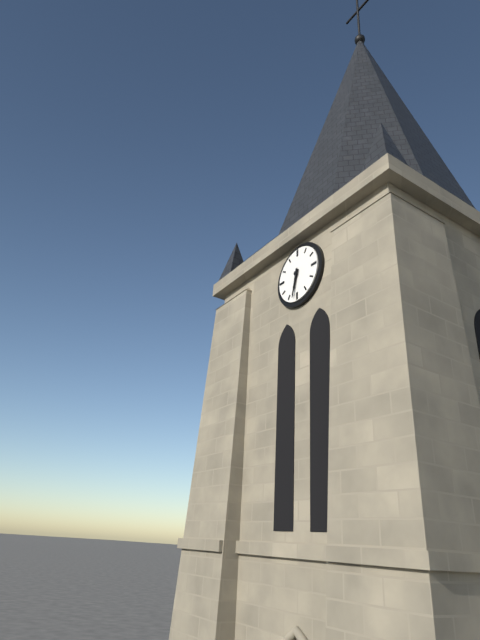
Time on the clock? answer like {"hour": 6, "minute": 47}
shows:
{"hour": 6, "minute": 32}
